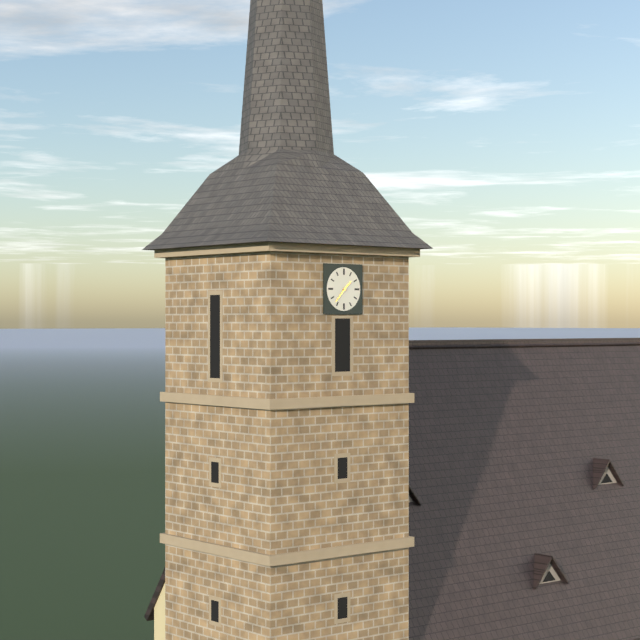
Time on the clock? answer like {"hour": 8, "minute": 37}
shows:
{"hour": 1, "minute": 37}
